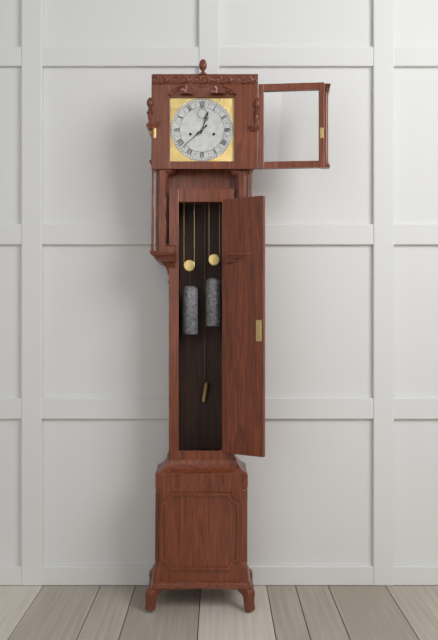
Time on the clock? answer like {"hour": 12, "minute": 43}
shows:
{"hour": 12, "minute": 38}
